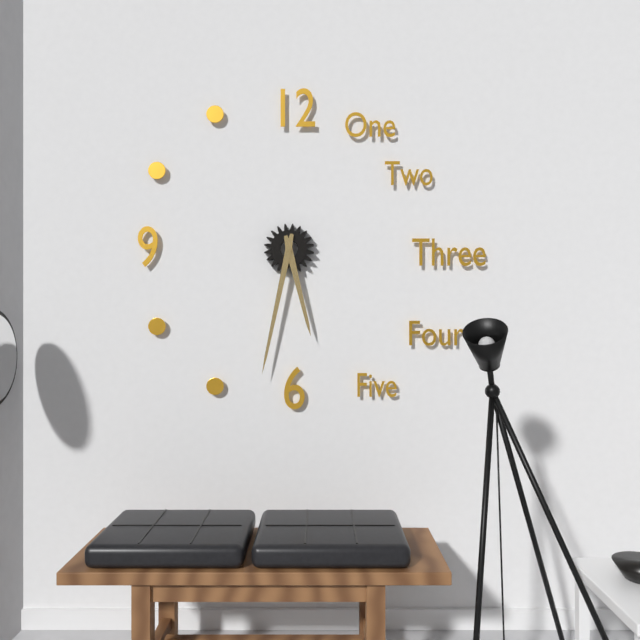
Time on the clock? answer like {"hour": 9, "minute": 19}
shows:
{"hour": 5, "minute": 32}
